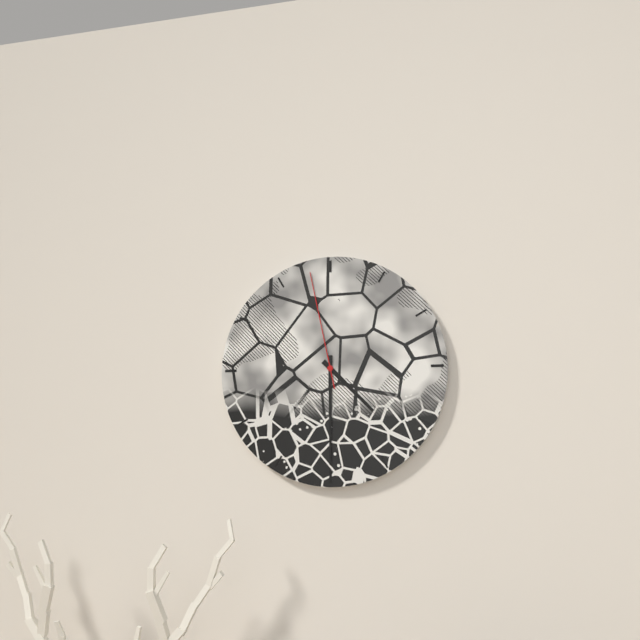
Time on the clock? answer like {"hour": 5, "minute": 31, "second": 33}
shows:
{"hour": 4, "minute": 30, "second": 58}
